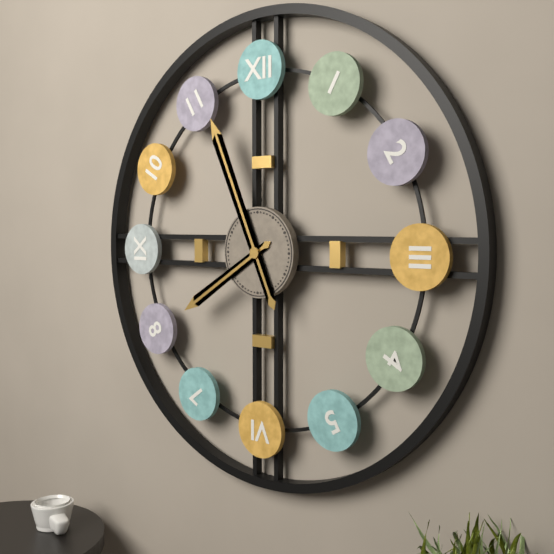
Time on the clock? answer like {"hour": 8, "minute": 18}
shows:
{"hour": 7, "minute": 56}
